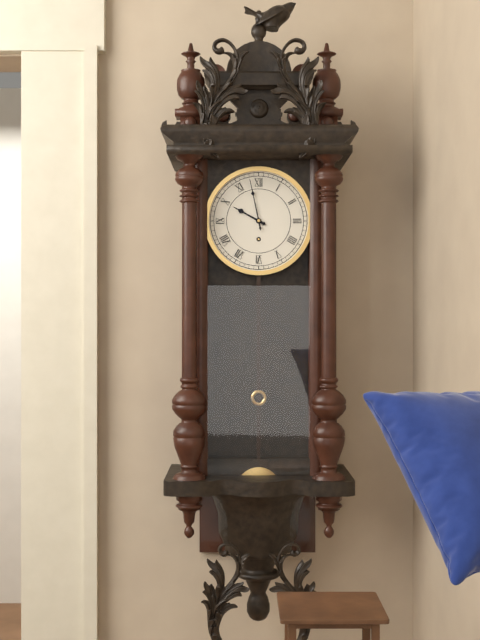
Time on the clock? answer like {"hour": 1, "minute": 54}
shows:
{"hour": 9, "minute": 58}
